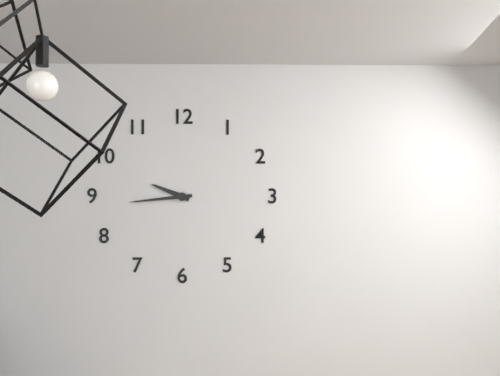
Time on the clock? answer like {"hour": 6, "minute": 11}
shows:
{"hour": 9, "minute": 44}
